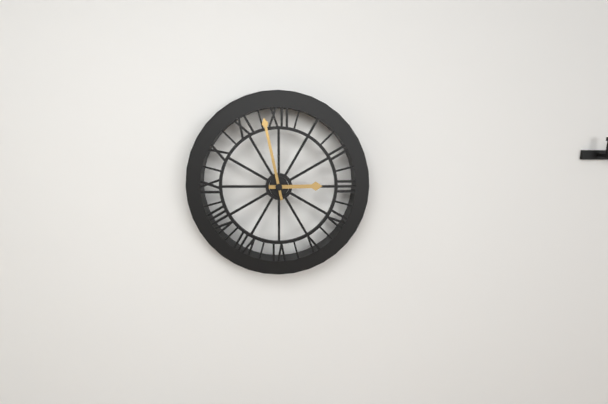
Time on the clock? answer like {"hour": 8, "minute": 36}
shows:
{"hour": 2, "minute": 58}
